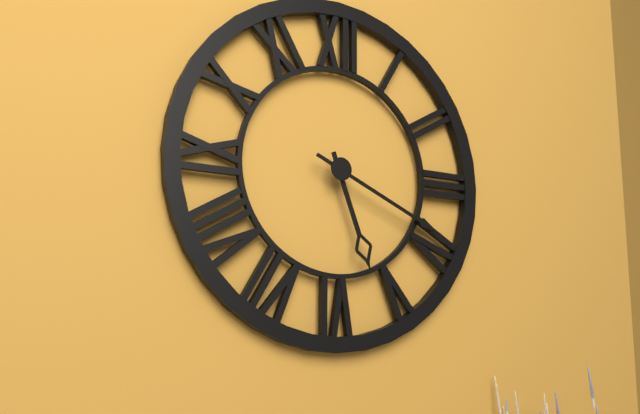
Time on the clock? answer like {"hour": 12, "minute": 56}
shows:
{"hour": 5, "minute": 19}
